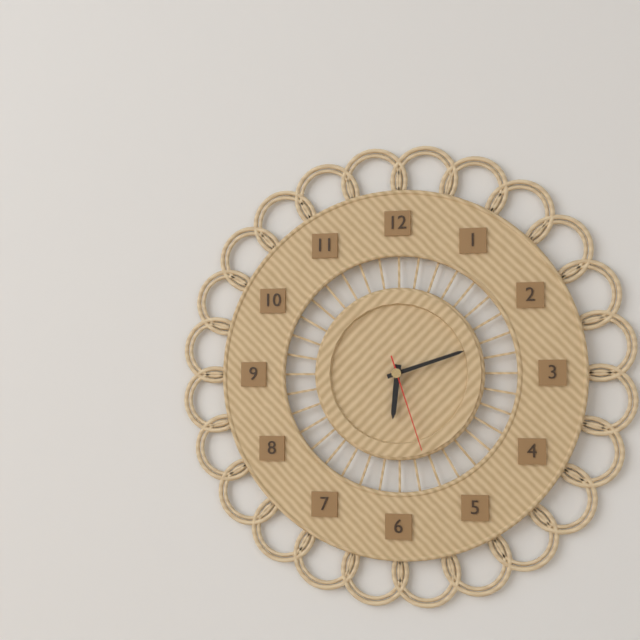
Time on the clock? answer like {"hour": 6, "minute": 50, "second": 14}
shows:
{"hour": 6, "minute": 12, "second": 27}
